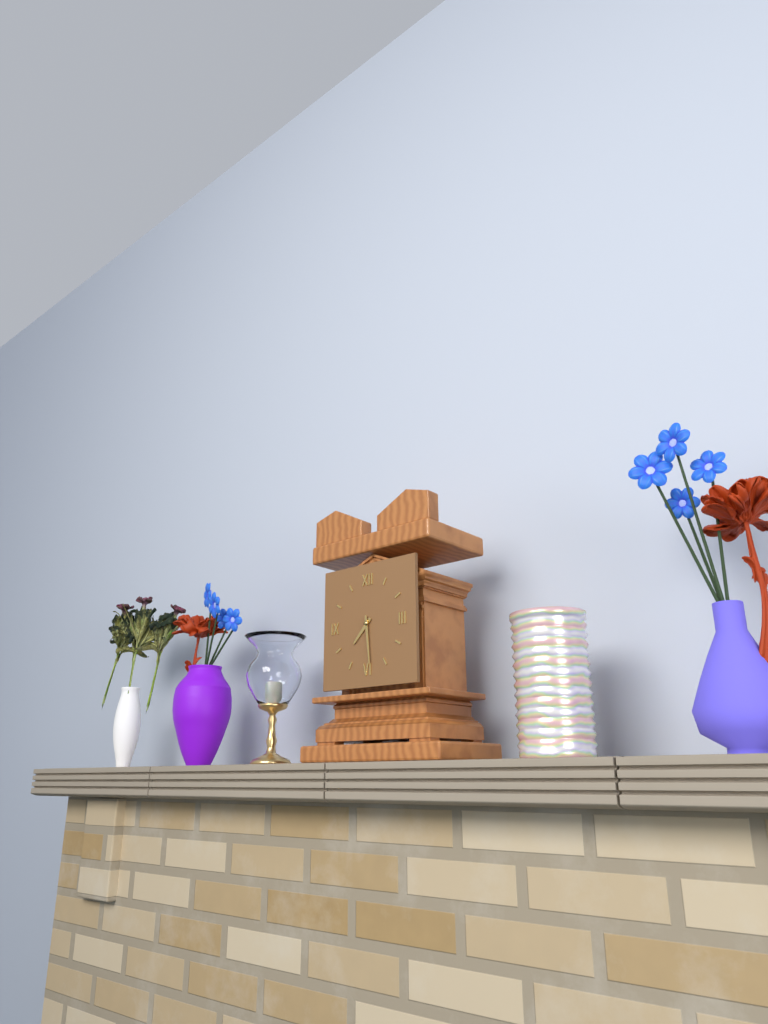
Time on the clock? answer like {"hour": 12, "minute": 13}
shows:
{"hour": 7, "minute": 29}
